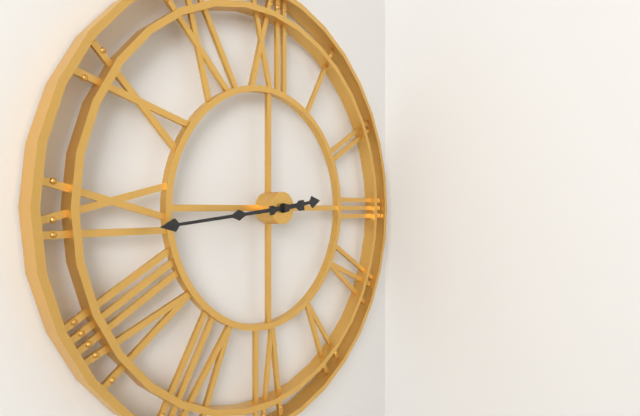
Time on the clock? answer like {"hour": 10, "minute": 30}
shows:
{"hour": 2, "minute": 44}
